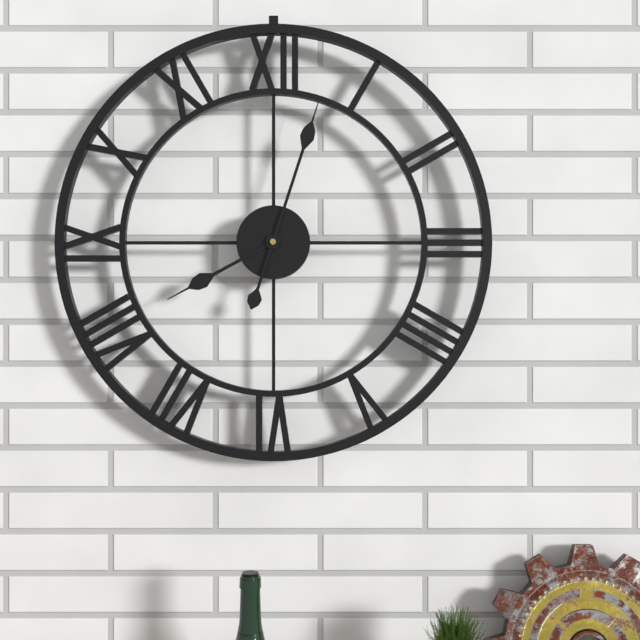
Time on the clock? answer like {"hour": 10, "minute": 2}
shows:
{"hour": 8, "minute": 3}
